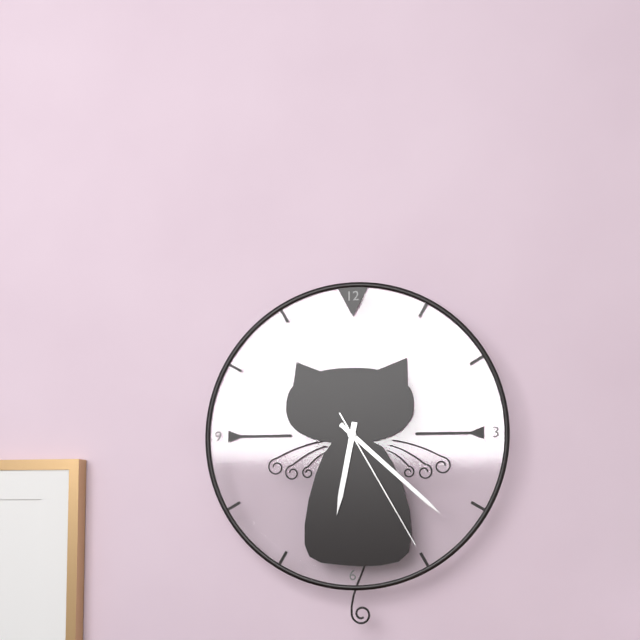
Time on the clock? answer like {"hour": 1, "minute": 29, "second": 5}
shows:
{"hour": 6, "minute": 22, "second": 25}
